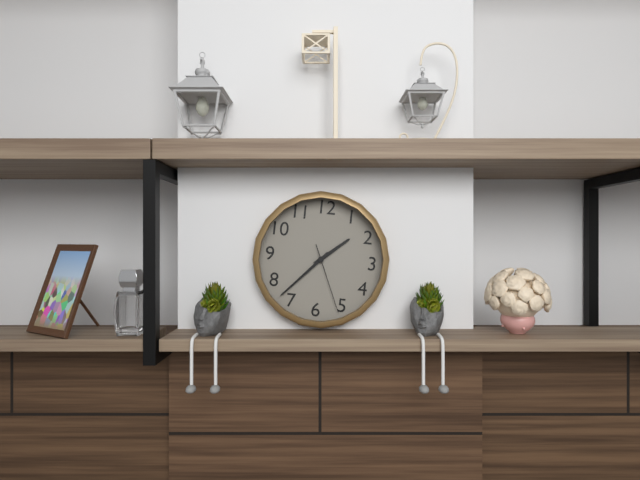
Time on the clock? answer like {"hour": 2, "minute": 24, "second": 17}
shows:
{"hour": 1, "minute": 37, "second": 26}
